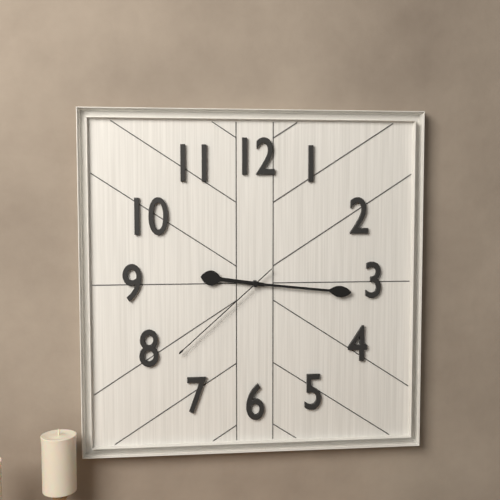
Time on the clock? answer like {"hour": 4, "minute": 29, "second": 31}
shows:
{"hour": 9, "minute": 16, "second": 38}
